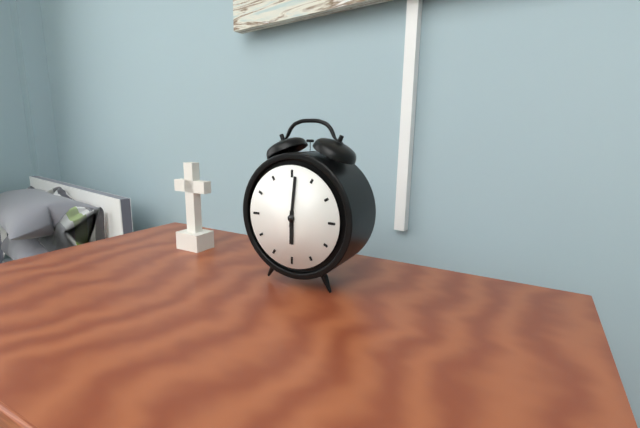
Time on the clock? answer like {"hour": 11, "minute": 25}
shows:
{"hour": 6, "minute": 1}
